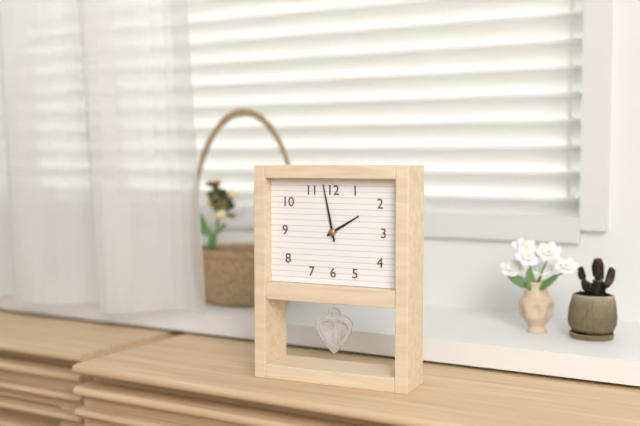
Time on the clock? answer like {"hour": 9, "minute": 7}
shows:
{"hour": 1, "minute": 58}
